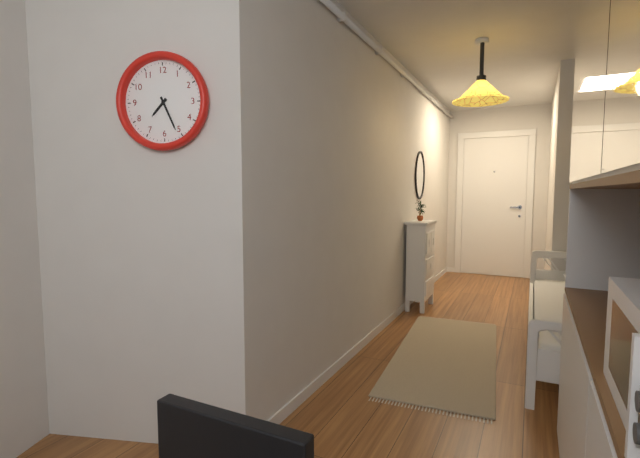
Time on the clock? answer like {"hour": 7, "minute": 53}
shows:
{"hour": 7, "minute": 26}
